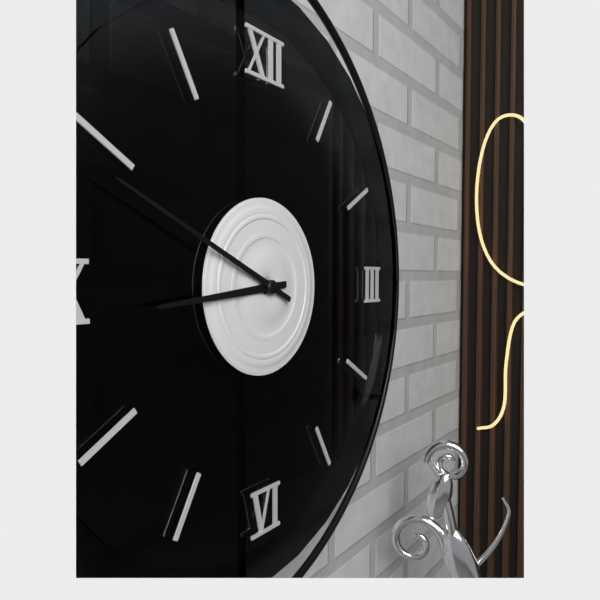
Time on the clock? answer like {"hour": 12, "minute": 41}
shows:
{"hour": 8, "minute": 49}
